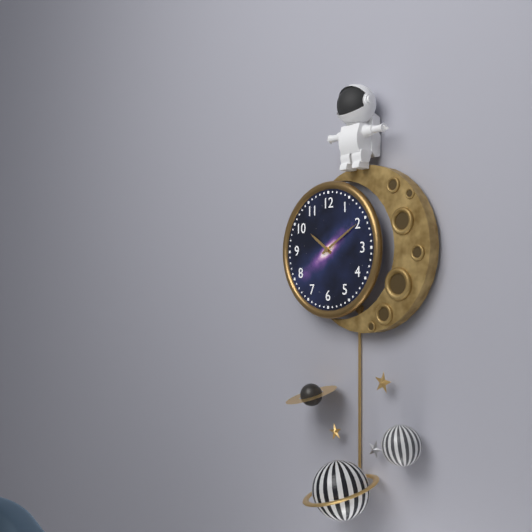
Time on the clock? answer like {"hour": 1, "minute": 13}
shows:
{"hour": 10, "minute": 10}
